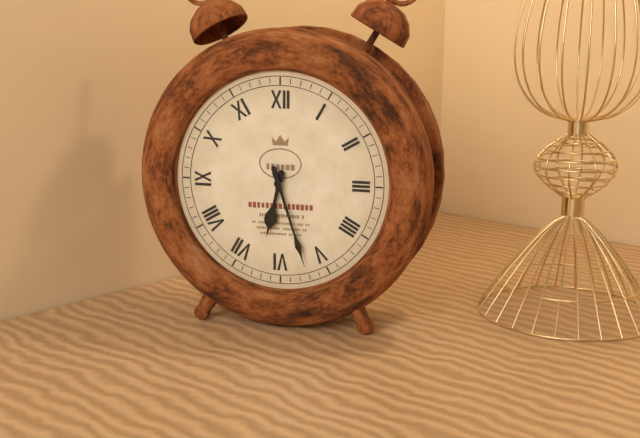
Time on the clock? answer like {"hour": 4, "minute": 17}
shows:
{"hour": 6, "minute": 27}
